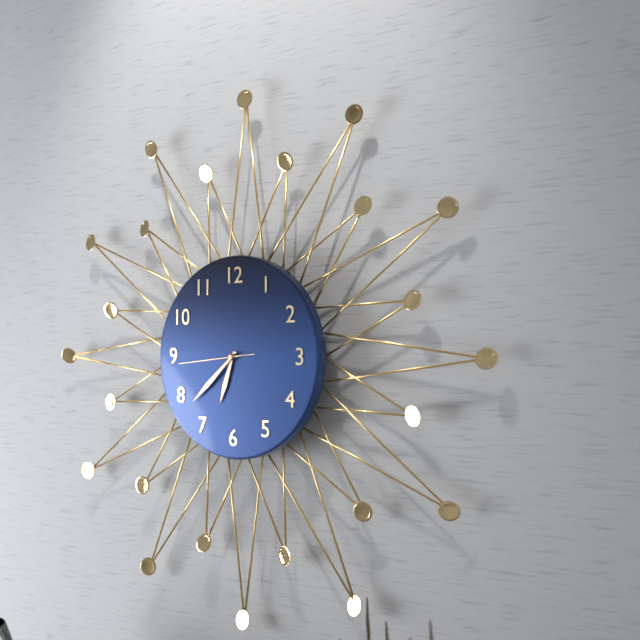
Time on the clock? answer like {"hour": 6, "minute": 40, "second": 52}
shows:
{"hour": 6, "minute": 38, "second": 44}
